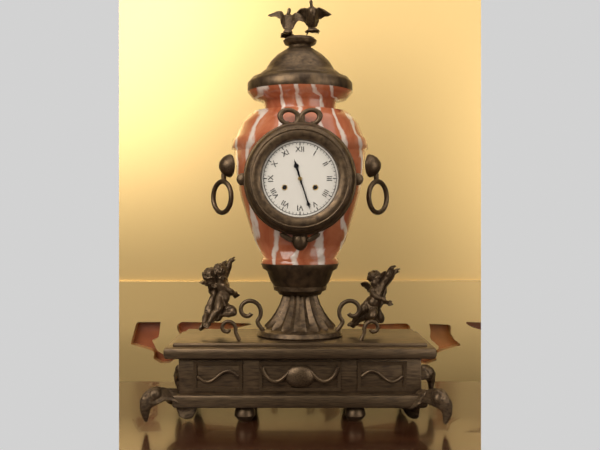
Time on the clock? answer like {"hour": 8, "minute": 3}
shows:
{"hour": 11, "minute": 27}
